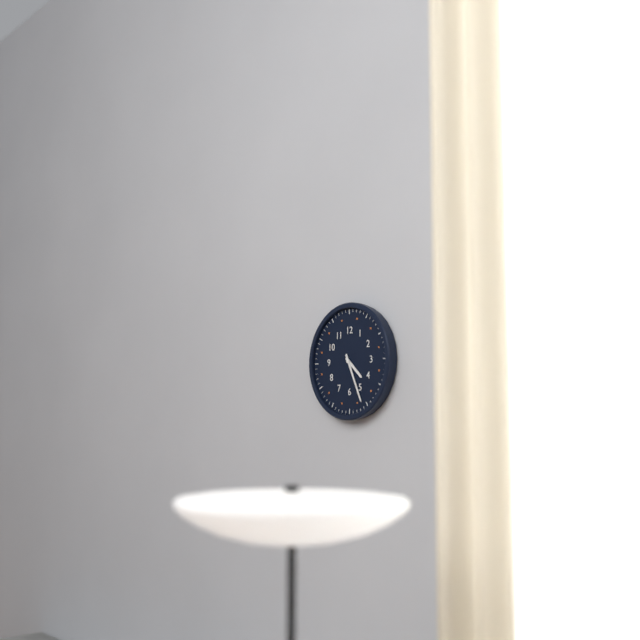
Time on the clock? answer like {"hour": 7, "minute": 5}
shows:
{"hour": 4, "minute": 26}
